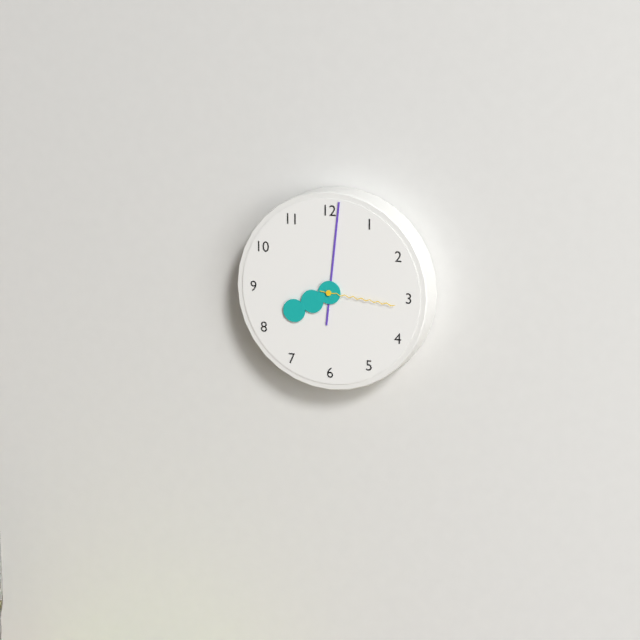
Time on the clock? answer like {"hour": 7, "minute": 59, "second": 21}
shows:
{"hour": 8, "minute": 1, "second": 16}
